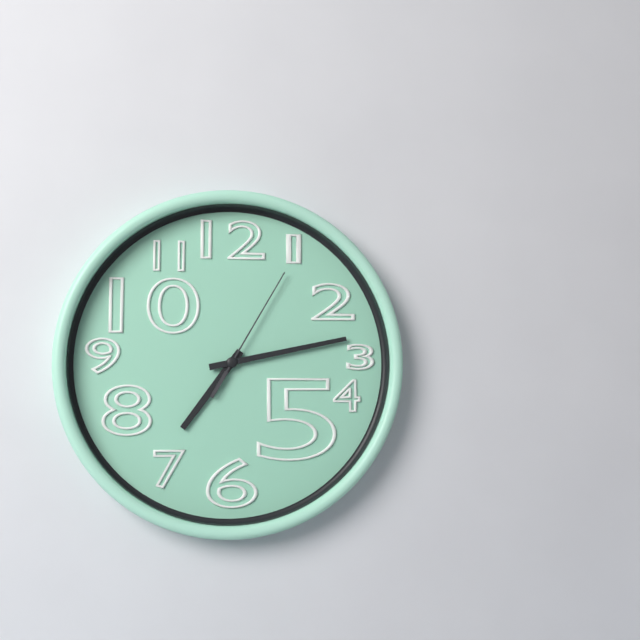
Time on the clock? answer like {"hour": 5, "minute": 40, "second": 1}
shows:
{"hour": 7, "minute": 13, "second": 5}
